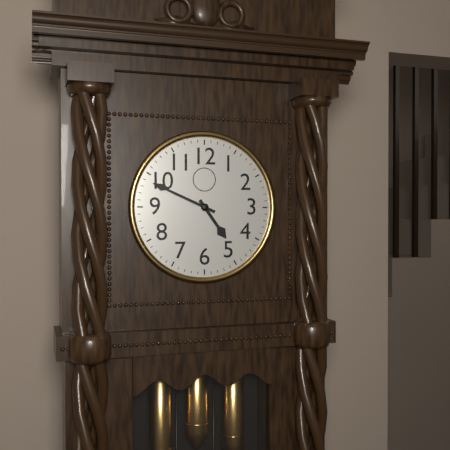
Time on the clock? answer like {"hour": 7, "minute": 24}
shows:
{"hour": 4, "minute": 49}
